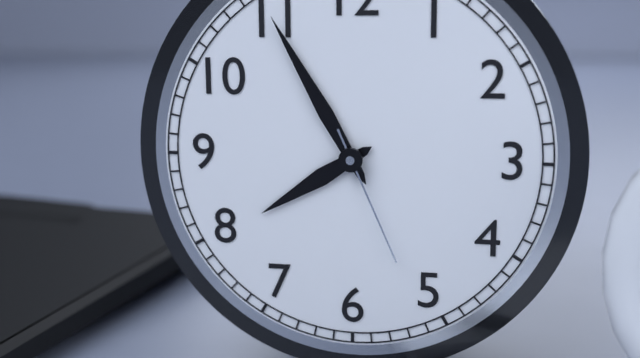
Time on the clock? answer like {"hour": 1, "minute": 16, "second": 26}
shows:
{"hour": 7, "minute": 55, "second": 26}
